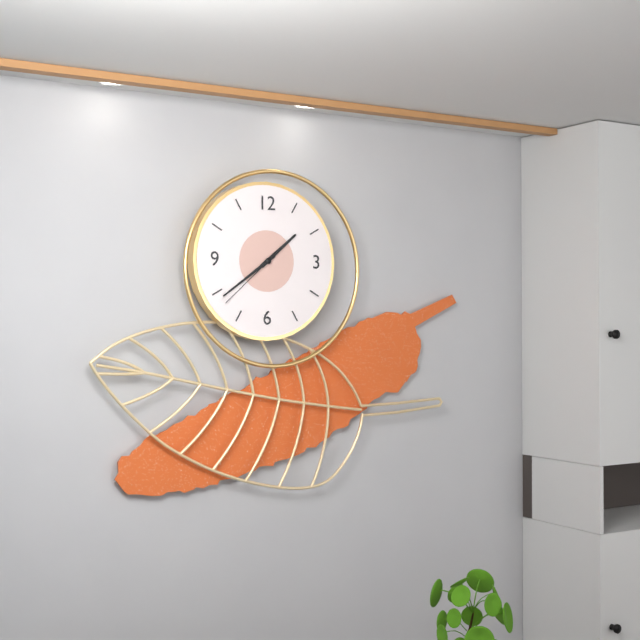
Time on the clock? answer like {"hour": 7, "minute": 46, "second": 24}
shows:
{"hour": 1, "minute": 39, "second": 38}
